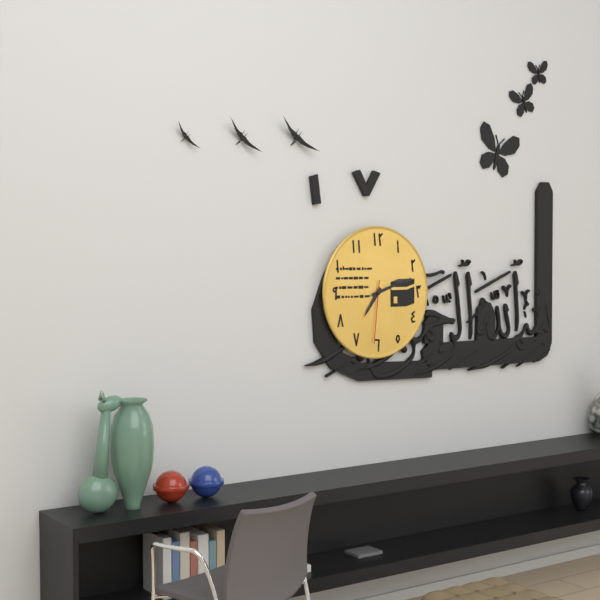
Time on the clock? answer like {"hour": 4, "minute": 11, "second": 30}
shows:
{"hour": 7, "minute": 12, "second": 31}
